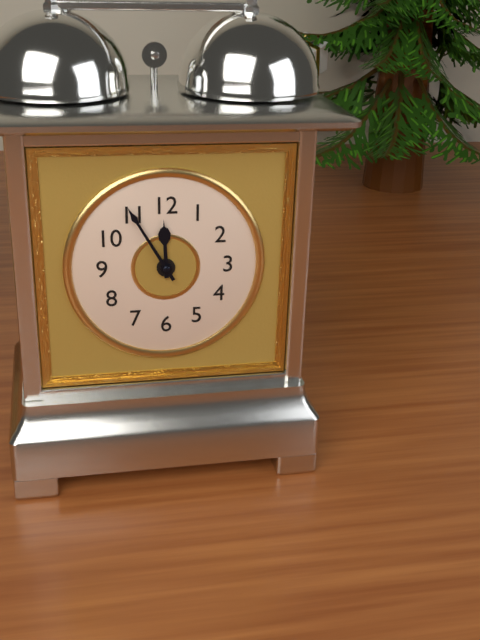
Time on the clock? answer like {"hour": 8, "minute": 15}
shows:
{"hour": 11, "minute": 55}
